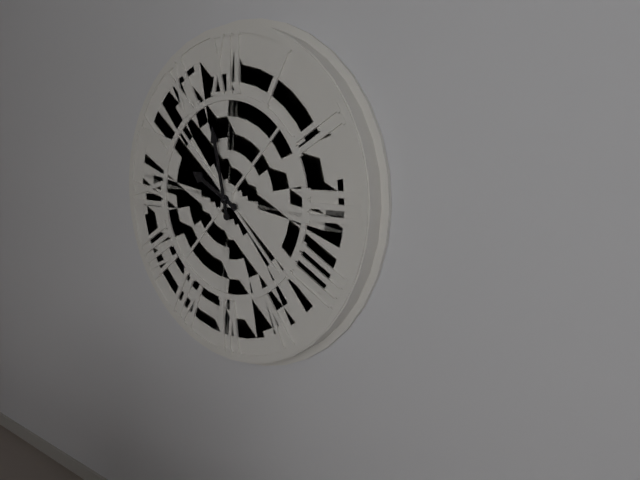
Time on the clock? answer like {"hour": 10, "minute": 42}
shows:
{"hour": 9, "minute": 58}
